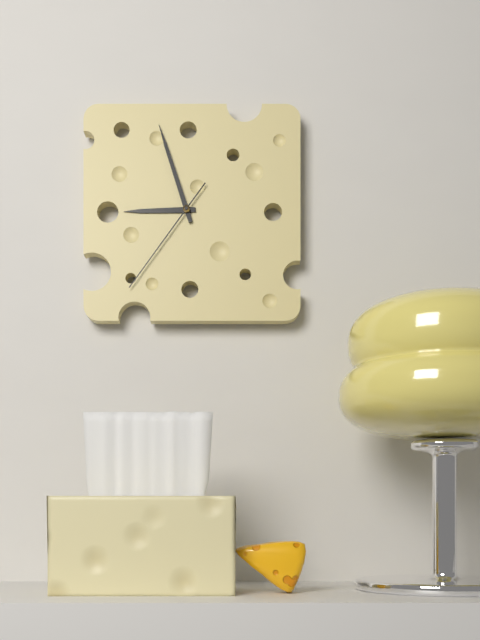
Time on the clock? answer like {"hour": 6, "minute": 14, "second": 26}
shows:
{"hour": 8, "minute": 57, "second": 36}
